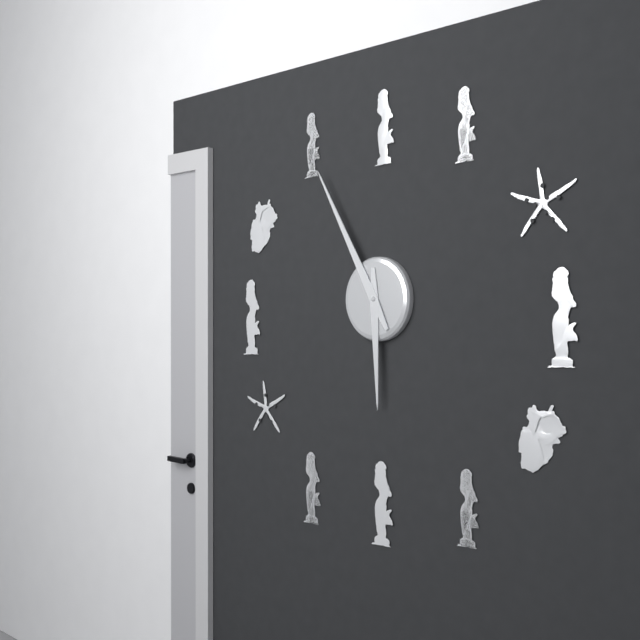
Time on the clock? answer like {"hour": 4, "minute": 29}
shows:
{"hour": 5, "minute": 55}
